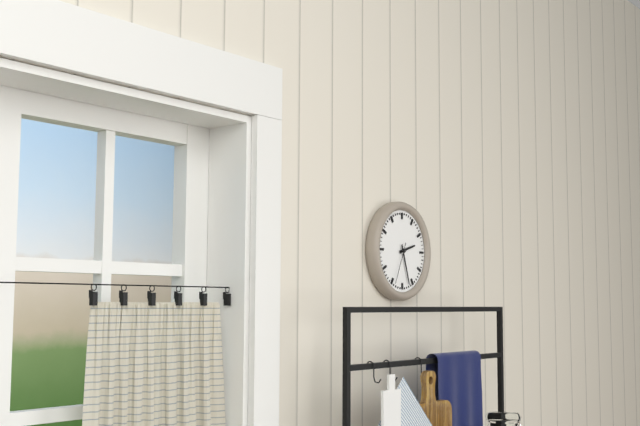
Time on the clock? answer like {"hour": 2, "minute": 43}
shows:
{"hour": 2, "minute": 27}
